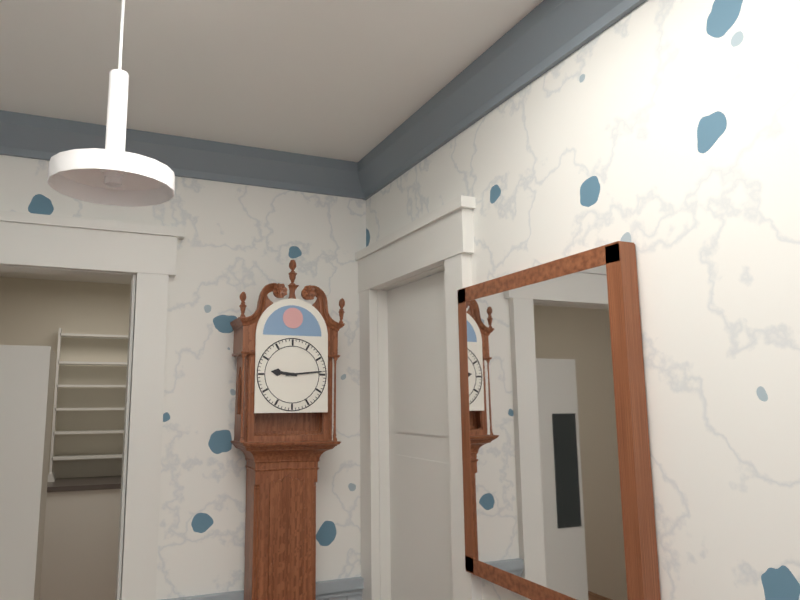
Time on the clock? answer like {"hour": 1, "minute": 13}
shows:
{"hour": 9, "minute": 14}
